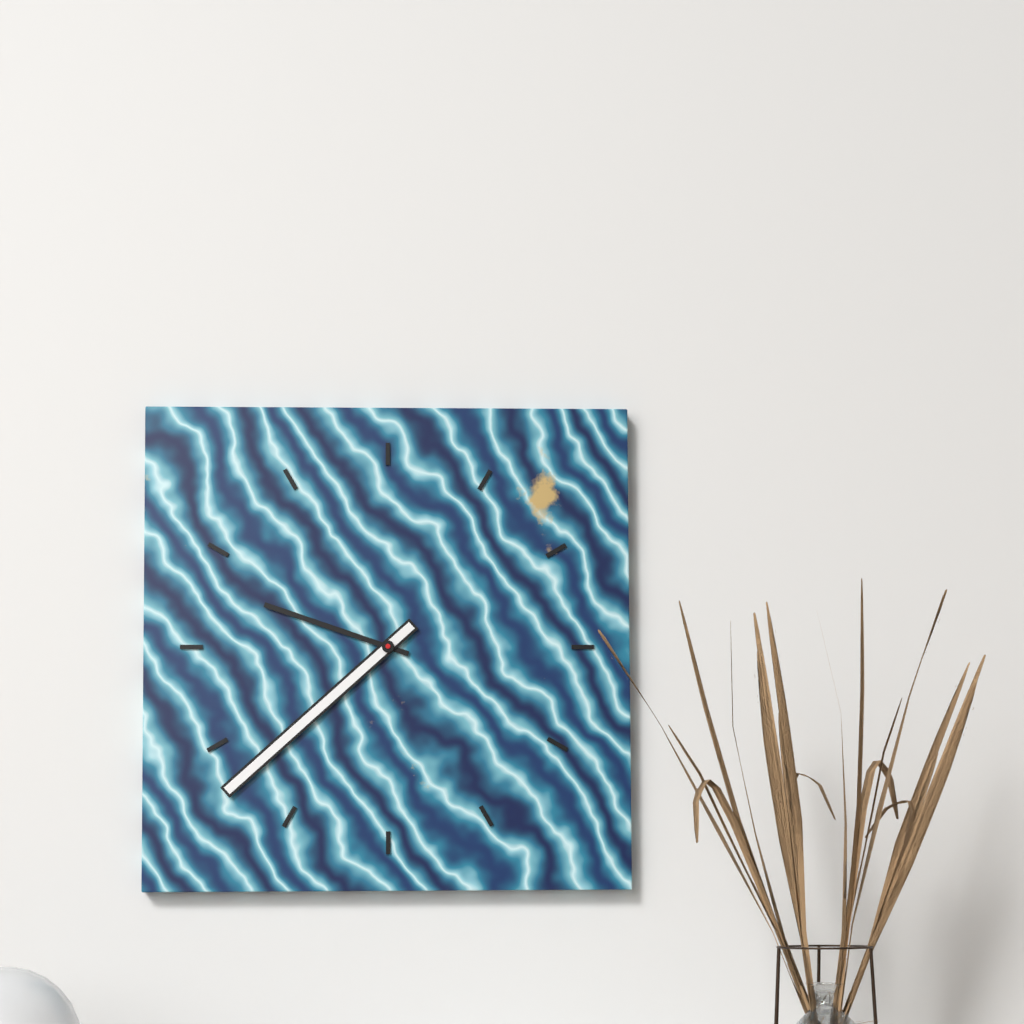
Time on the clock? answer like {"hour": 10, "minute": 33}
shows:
{"hour": 9, "minute": 38}
